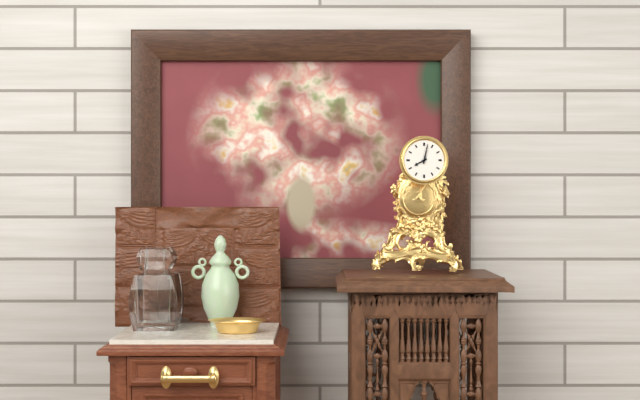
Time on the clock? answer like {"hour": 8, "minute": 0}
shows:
{"hour": 8, "minute": 2}
